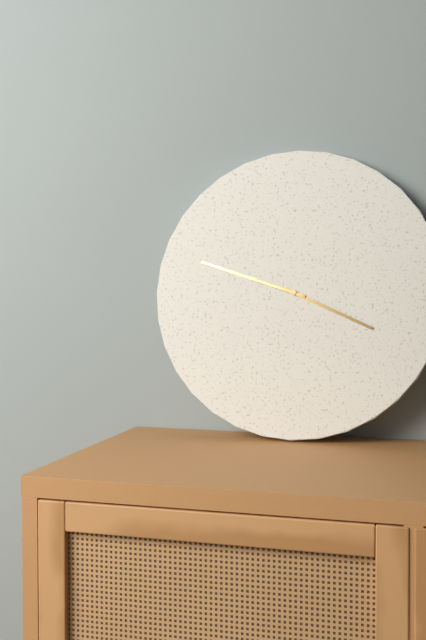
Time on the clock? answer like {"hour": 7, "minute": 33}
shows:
{"hour": 3, "minute": 48}
